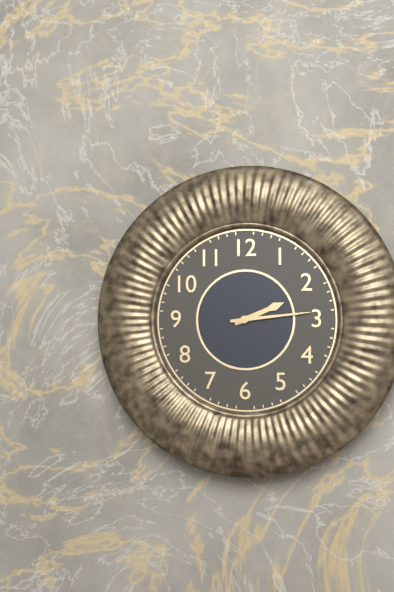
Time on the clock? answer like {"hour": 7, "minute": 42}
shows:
{"hour": 2, "minute": 14}
